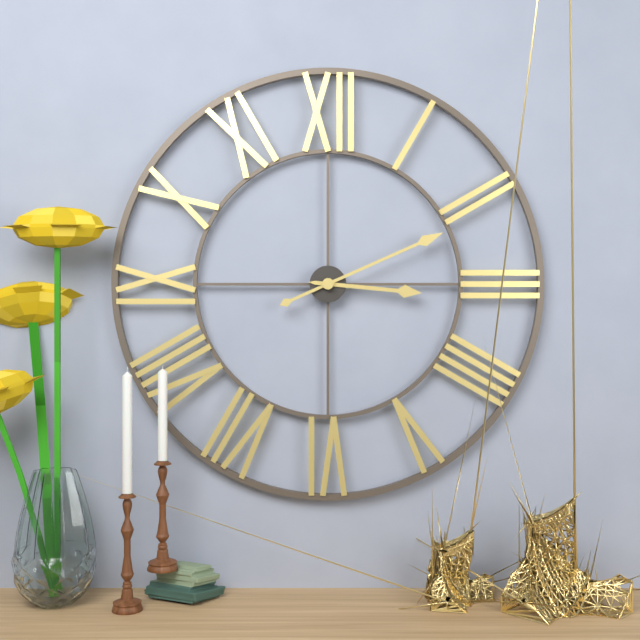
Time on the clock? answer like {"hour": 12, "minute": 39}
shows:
{"hour": 3, "minute": 11}
